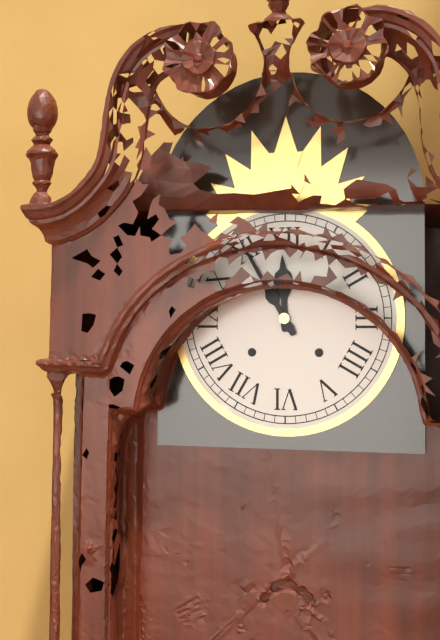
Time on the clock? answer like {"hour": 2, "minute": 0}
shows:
{"hour": 11, "minute": 55}
